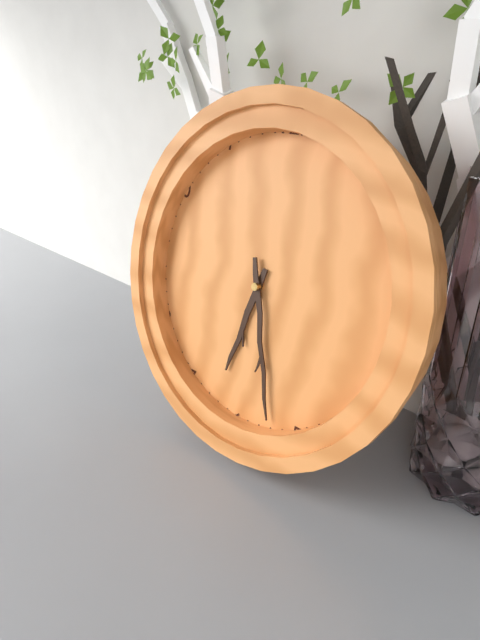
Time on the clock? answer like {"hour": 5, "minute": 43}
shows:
{"hour": 6, "minute": 27}
